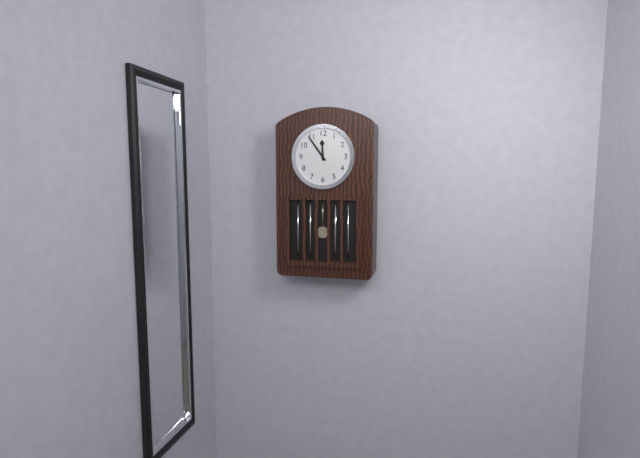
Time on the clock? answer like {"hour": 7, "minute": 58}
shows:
{"hour": 11, "minute": 54}
